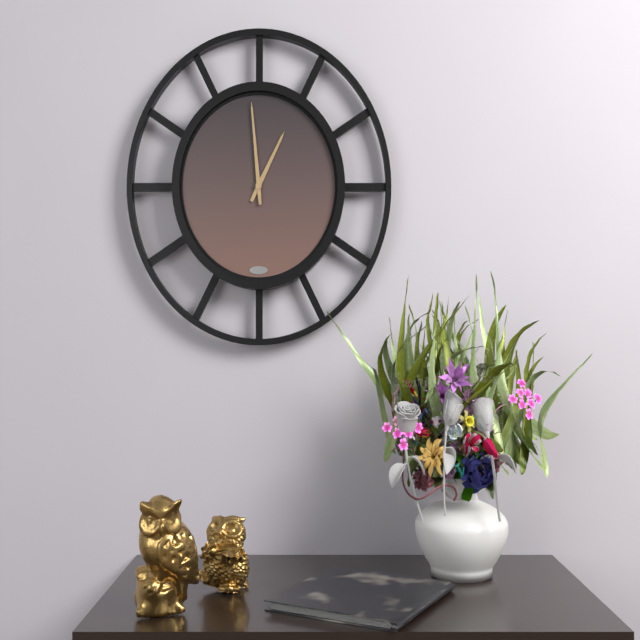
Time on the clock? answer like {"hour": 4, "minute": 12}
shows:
{"hour": 12, "minute": 59}
